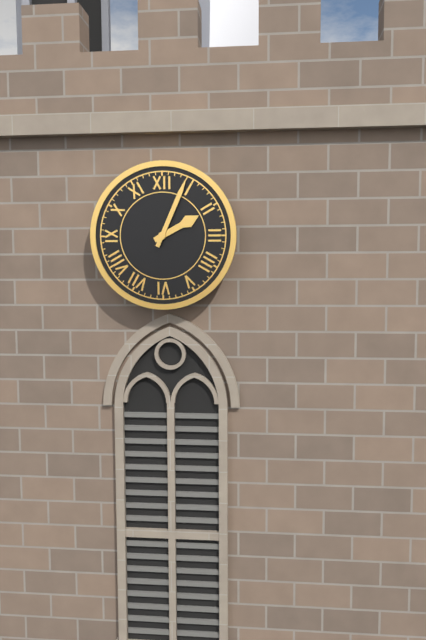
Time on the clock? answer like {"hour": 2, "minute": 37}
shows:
{"hour": 2, "minute": 4}
